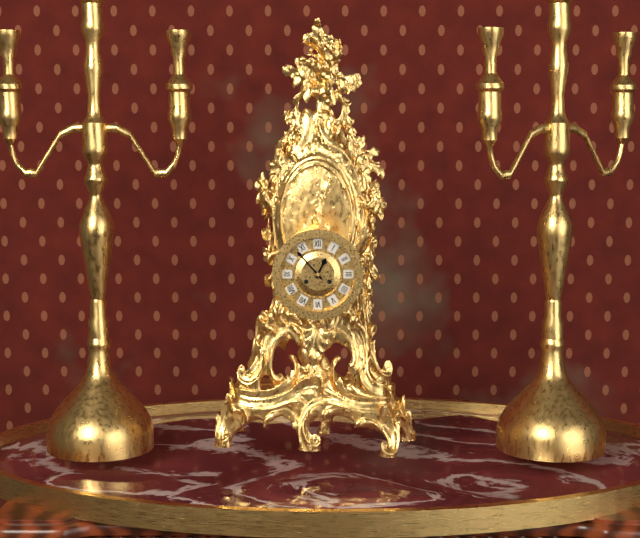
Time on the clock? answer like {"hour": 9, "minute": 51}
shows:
{"hour": 12, "minute": 53}
